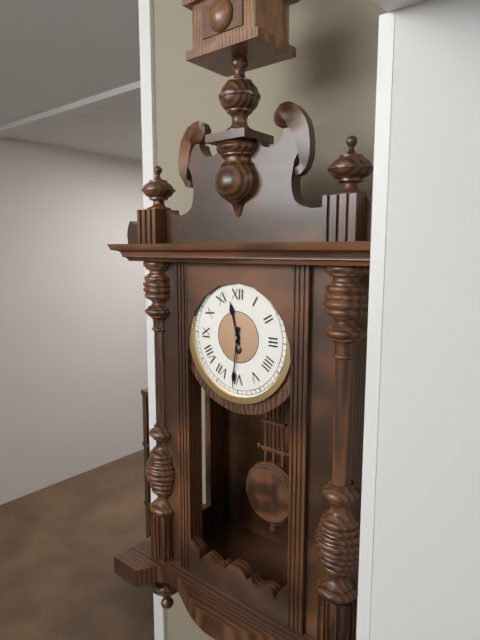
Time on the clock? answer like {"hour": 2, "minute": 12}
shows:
{"hour": 11, "minute": 31}
